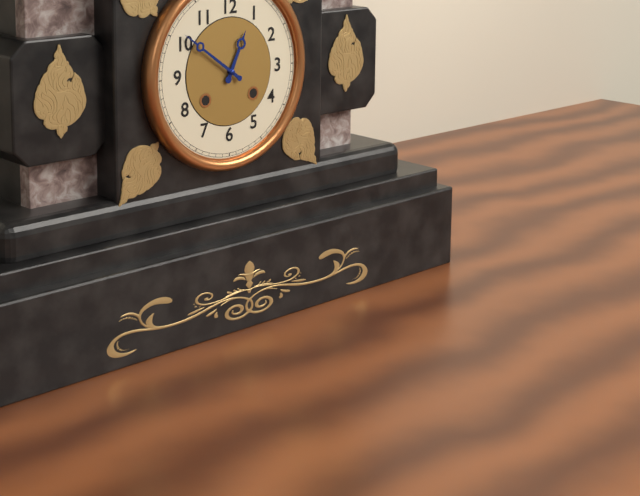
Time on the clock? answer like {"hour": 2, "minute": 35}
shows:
{"hour": 12, "minute": 51}
